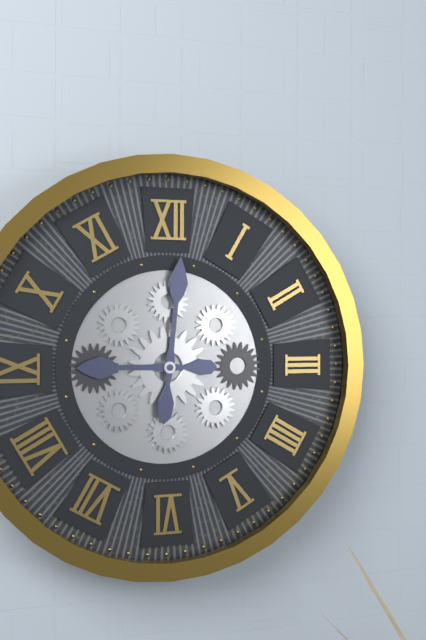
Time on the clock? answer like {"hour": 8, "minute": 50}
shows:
{"hour": 9, "minute": 1}
